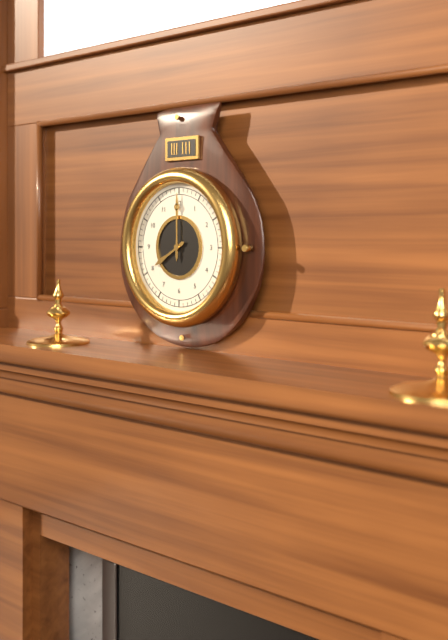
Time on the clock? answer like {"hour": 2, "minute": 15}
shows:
{"hour": 8, "minute": 0}
